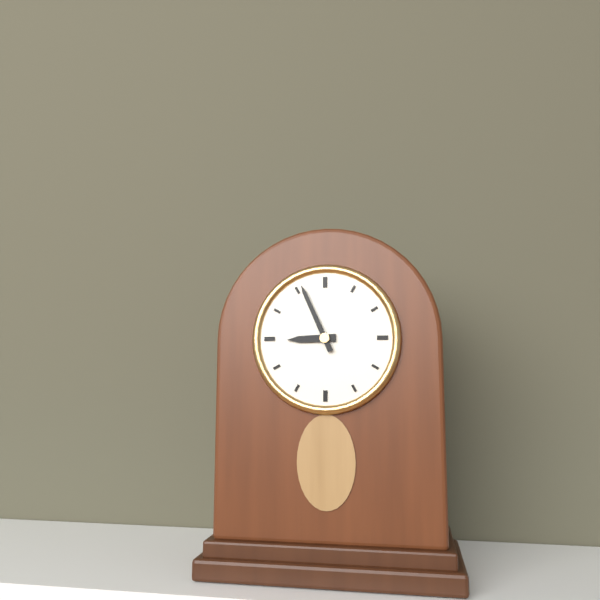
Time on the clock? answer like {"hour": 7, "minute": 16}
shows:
{"hour": 8, "minute": 56}
